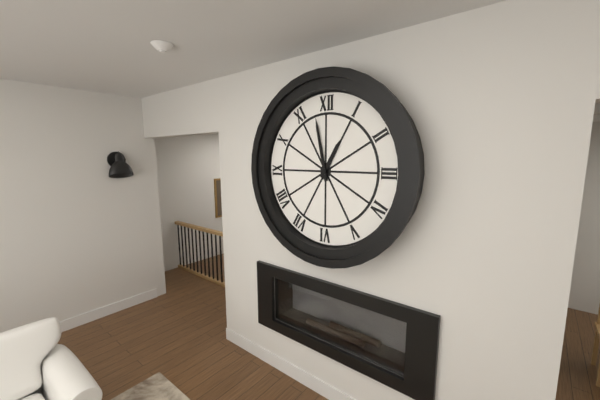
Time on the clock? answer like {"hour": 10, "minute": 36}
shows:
{"hour": 12, "minute": 58}
